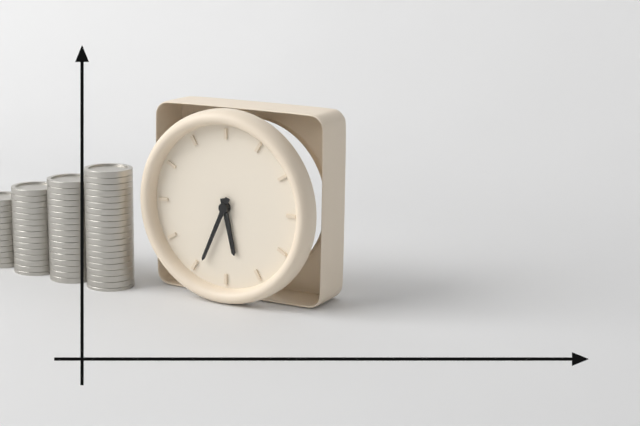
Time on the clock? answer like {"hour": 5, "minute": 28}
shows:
{"hour": 5, "minute": 34}
